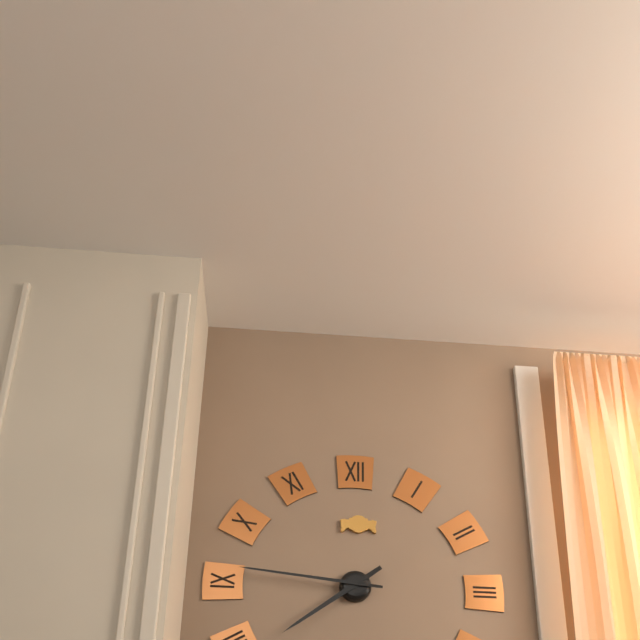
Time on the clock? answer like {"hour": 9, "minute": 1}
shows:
{"hour": 7, "minute": 46}
